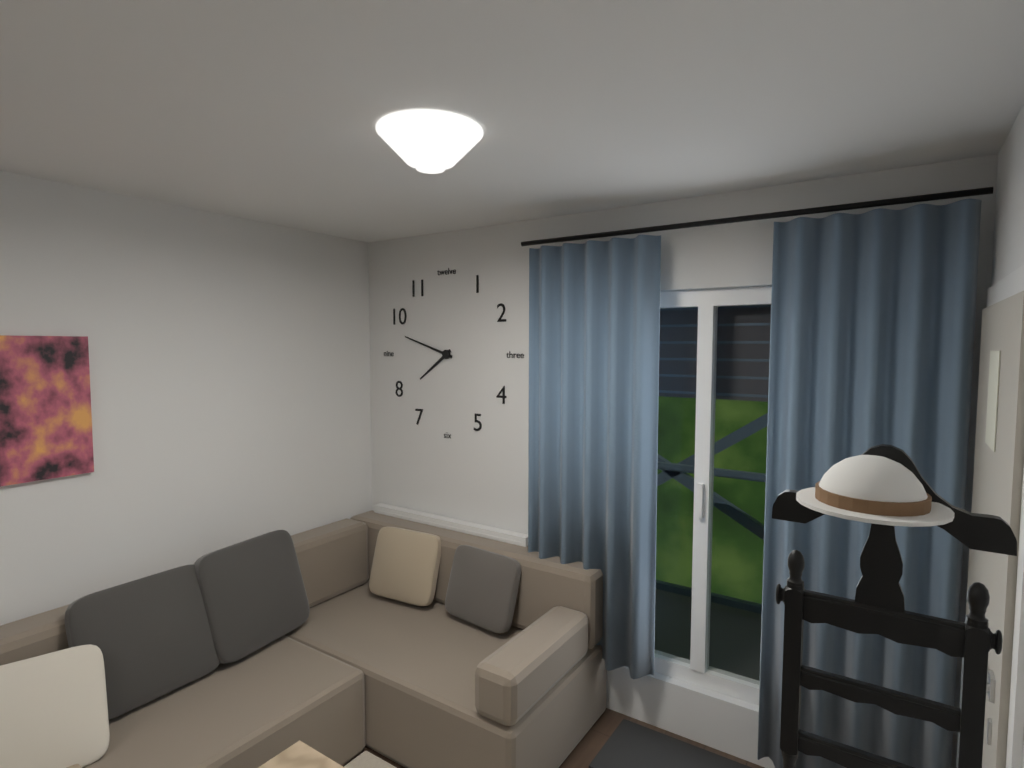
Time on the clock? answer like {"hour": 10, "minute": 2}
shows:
{"hour": 7, "minute": 48}
